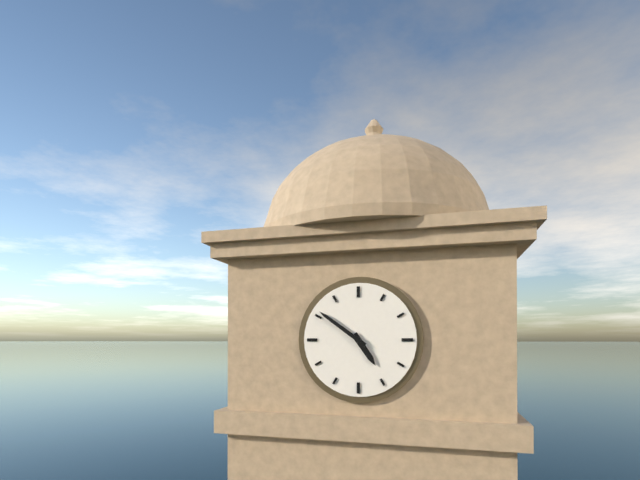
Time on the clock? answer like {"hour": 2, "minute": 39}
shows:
{"hour": 4, "minute": 51}
